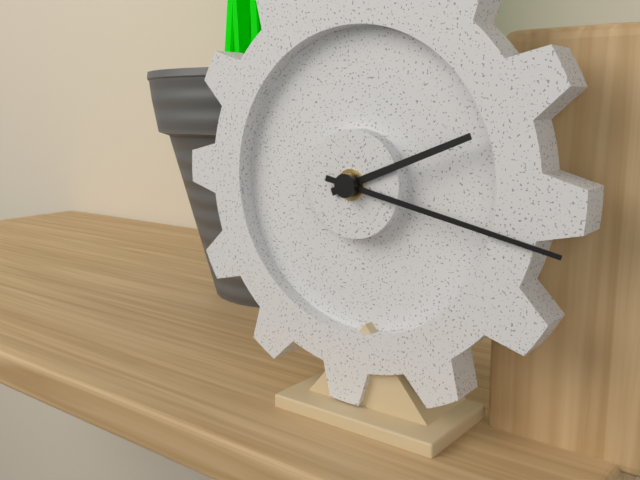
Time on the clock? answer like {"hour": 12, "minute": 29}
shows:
{"hour": 2, "minute": 17}
